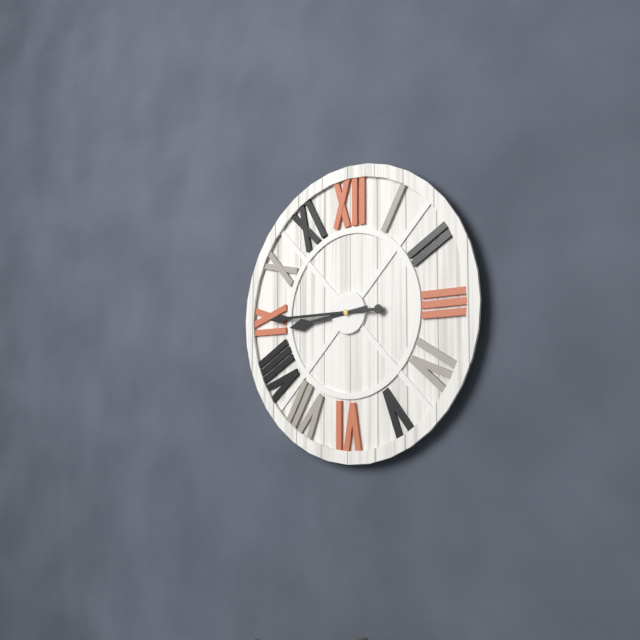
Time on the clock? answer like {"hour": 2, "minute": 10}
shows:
{"hour": 8, "minute": 45}
